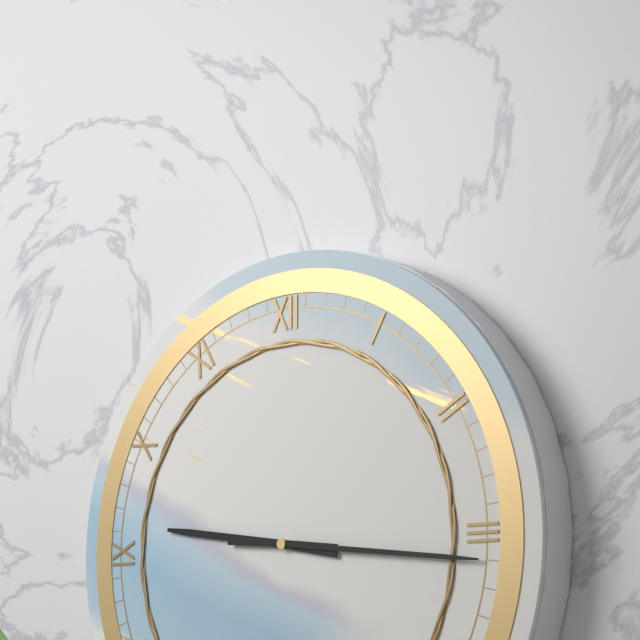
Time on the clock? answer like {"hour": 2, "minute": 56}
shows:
{"hour": 9, "minute": 16}
